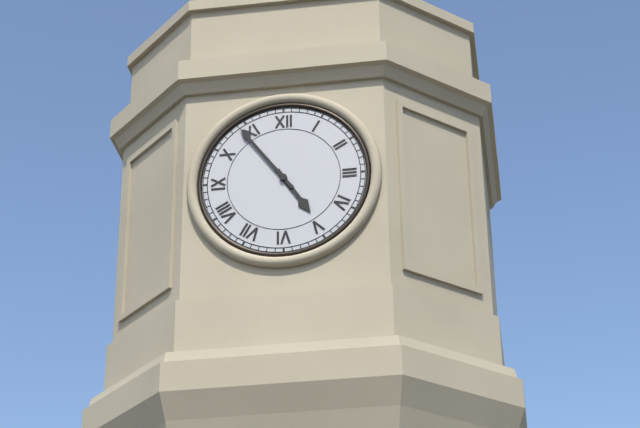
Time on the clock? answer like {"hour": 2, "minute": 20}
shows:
{"hour": 4, "minute": 54}
